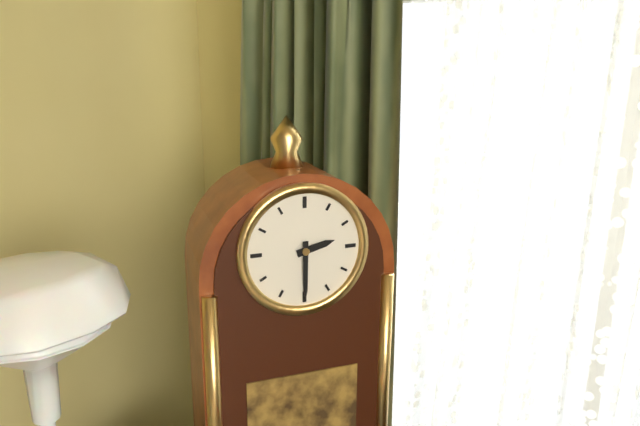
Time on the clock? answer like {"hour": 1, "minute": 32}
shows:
{"hour": 2, "minute": 30}
